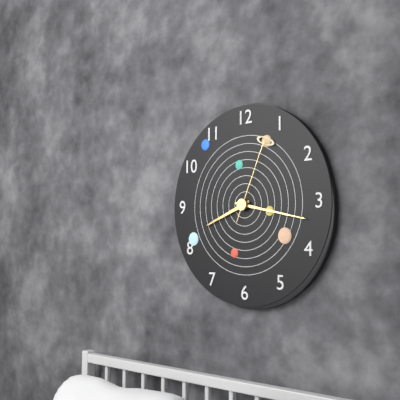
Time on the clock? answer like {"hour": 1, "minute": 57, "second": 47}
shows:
{"hour": 8, "minute": 17, "second": 4}
